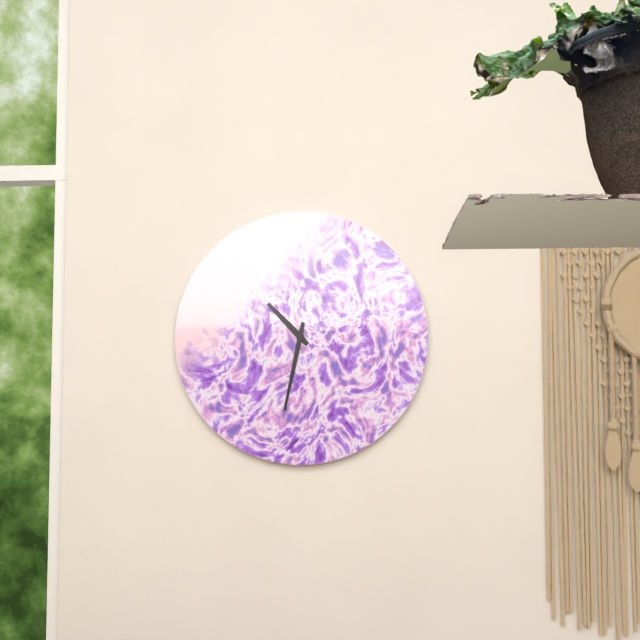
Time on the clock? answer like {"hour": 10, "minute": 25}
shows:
{"hour": 10, "minute": 32}
